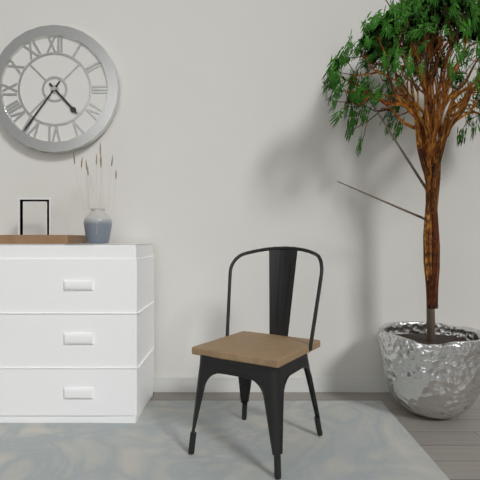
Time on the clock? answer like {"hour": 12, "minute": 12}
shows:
{"hour": 4, "minute": 36}
